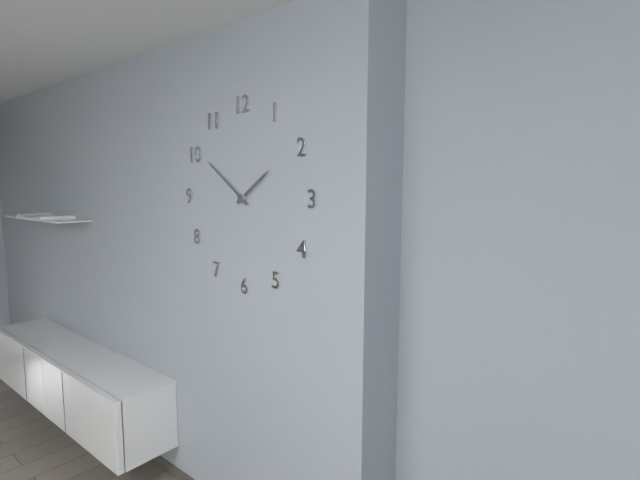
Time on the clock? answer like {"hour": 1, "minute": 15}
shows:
{"hour": 1, "minute": 51}
